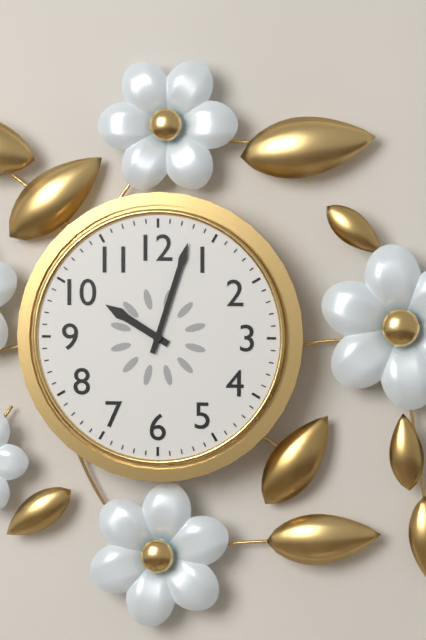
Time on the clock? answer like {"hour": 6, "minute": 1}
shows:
{"hour": 10, "minute": 3}
